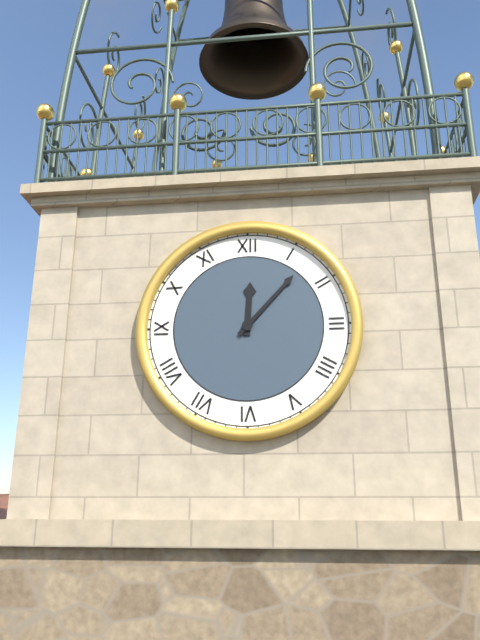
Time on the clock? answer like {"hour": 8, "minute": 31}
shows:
{"hour": 12, "minute": 7}
